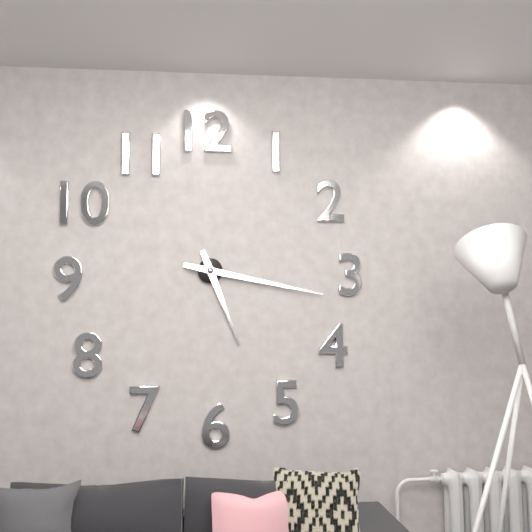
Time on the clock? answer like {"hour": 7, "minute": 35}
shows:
{"hour": 5, "minute": 17}
